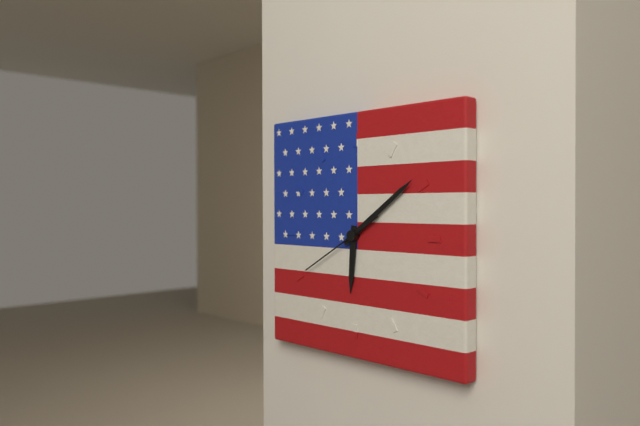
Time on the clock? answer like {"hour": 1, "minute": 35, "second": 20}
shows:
{"hour": 6, "minute": 9, "second": 40}
